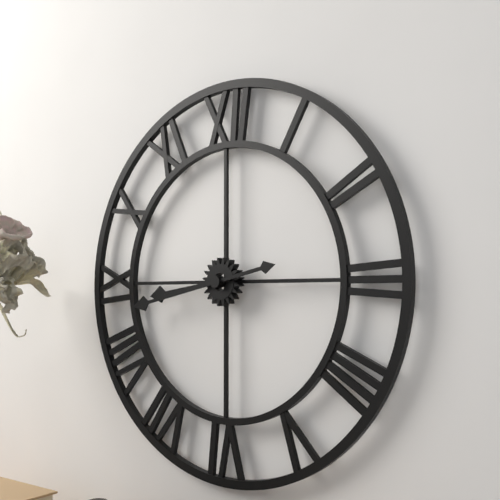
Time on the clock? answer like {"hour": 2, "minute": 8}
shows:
{"hour": 8, "minute": 43}
